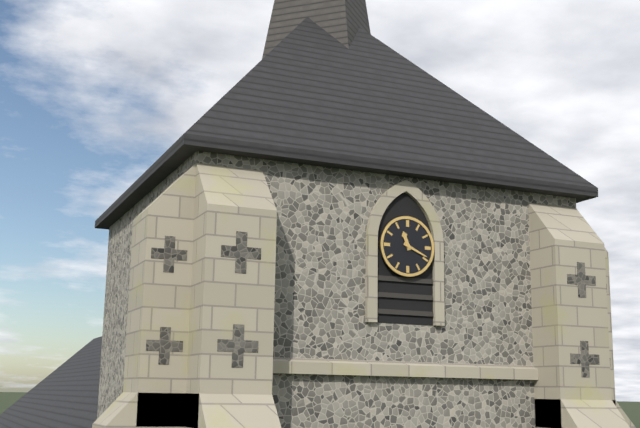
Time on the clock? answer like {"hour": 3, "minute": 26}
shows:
{"hour": 11, "minute": 19}
